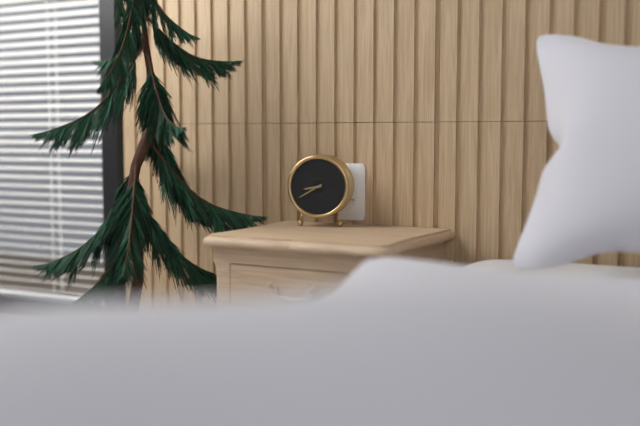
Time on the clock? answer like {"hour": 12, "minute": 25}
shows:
{"hour": 8, "minute": 40}
